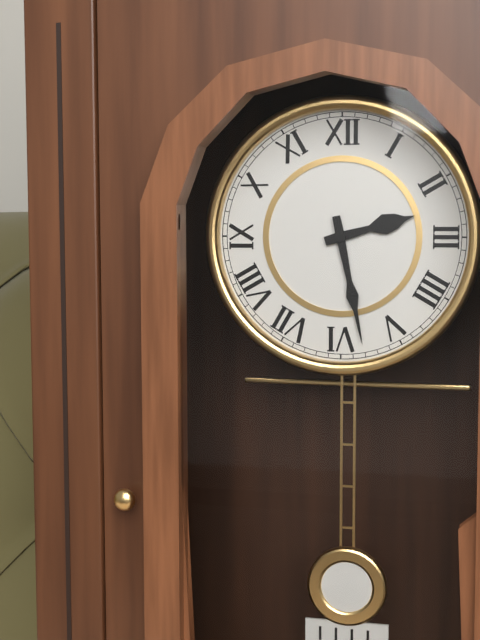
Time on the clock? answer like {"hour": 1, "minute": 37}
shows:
{"hour": 2, "minute": 28}
